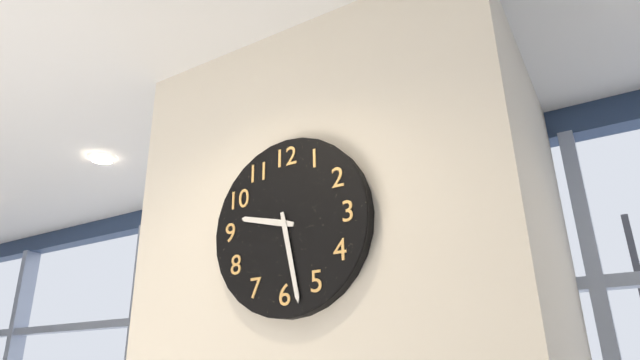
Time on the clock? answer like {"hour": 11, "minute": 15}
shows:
{"hour": 9, "minute": 28}
